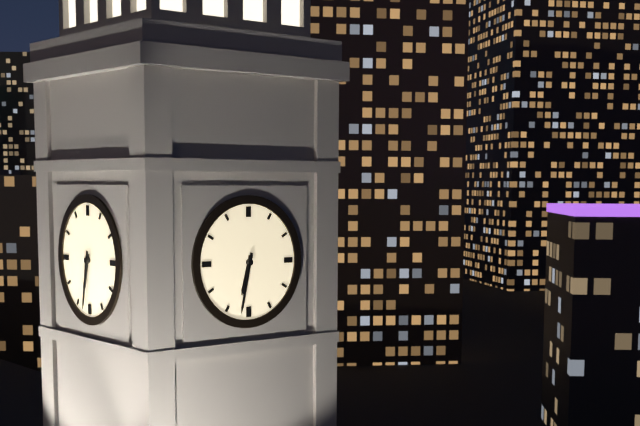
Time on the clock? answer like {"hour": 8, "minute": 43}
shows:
{"hour": 6, "minute": 32}
